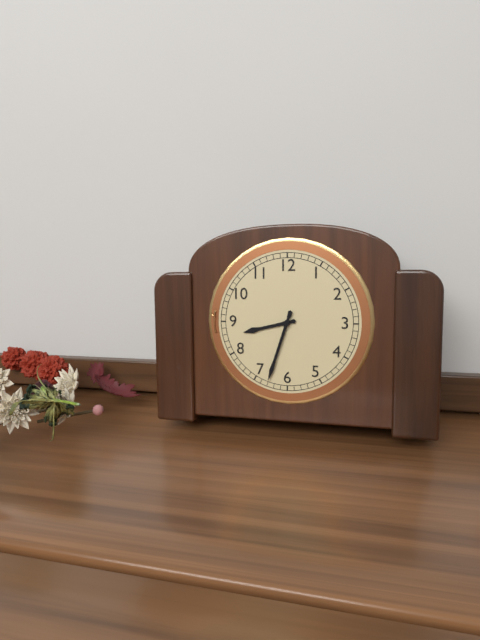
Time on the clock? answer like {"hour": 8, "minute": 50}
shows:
{"hour": 8, "minute": 33}
